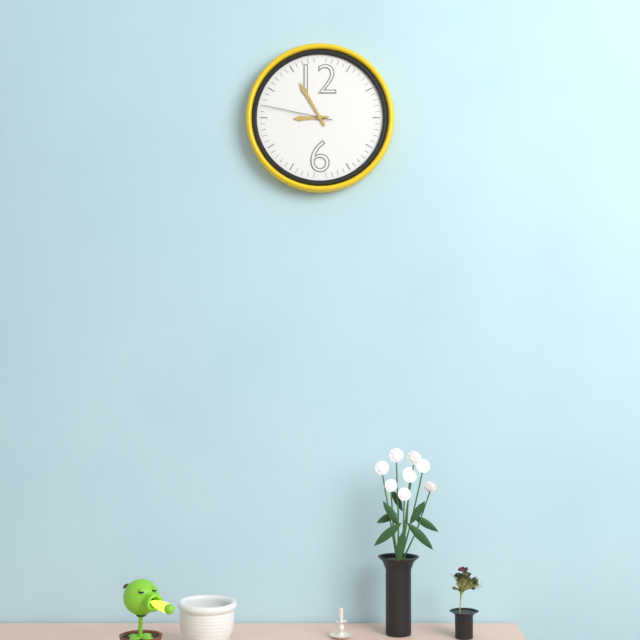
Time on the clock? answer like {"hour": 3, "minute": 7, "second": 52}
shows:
{"hour": 8, "minute": 55, "second": 47}
